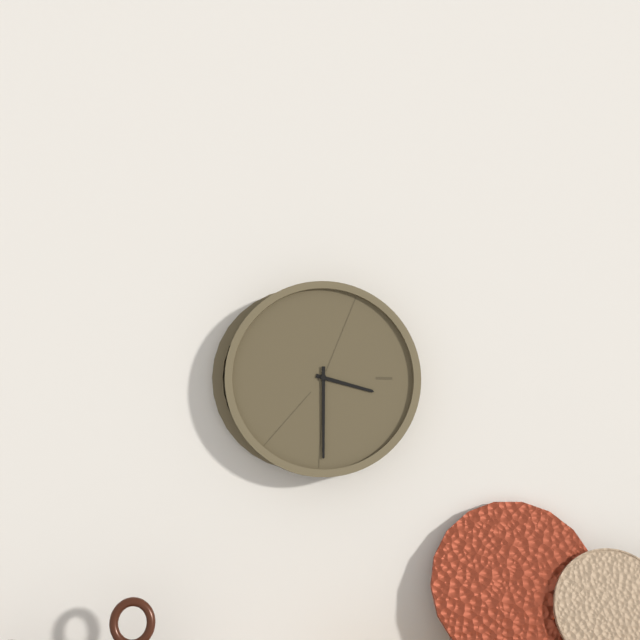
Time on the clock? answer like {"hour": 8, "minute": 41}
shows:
{"hour": 3, "minute": 30}
